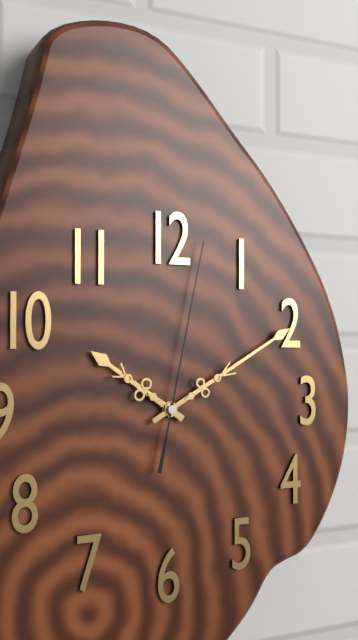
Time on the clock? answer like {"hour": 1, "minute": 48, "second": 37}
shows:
{"hour": 10, "minute": 10, "second": 2}
